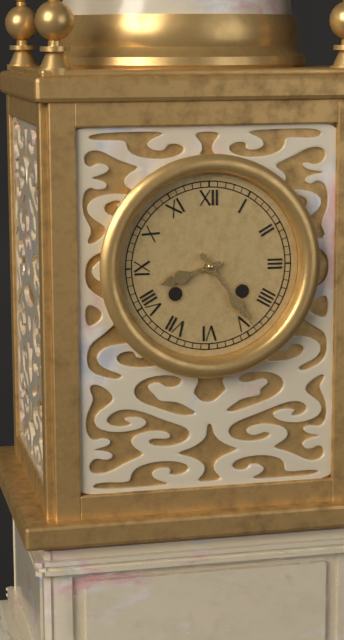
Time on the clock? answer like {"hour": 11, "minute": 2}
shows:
{"hour": 8, "minute": 24}
